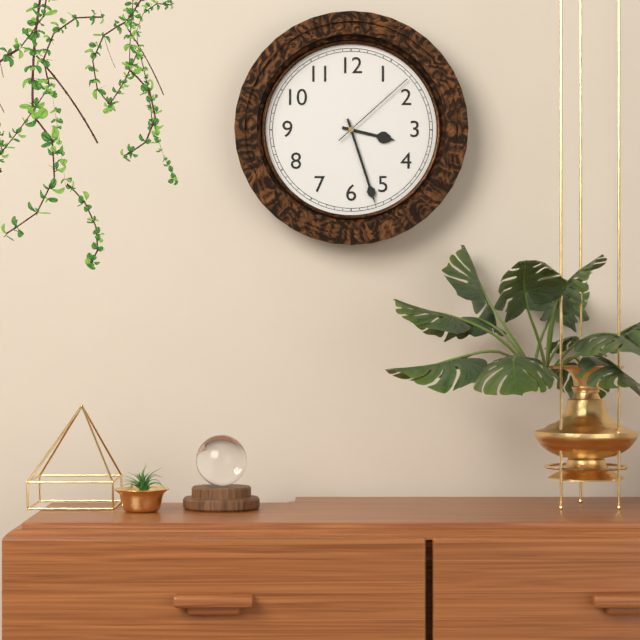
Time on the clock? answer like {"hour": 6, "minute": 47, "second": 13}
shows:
{"hour": 3, "minute": 27, "second": 8}
